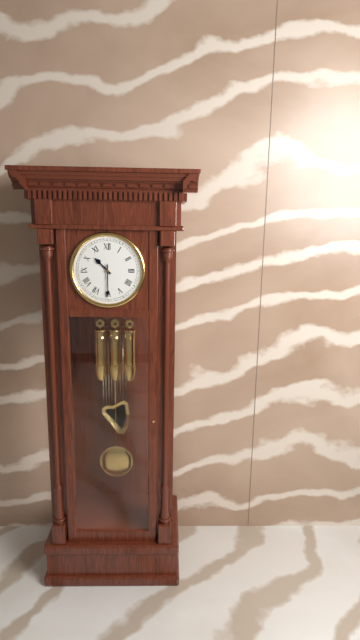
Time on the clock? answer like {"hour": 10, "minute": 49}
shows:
{"hour": 10, "minute": 30}
